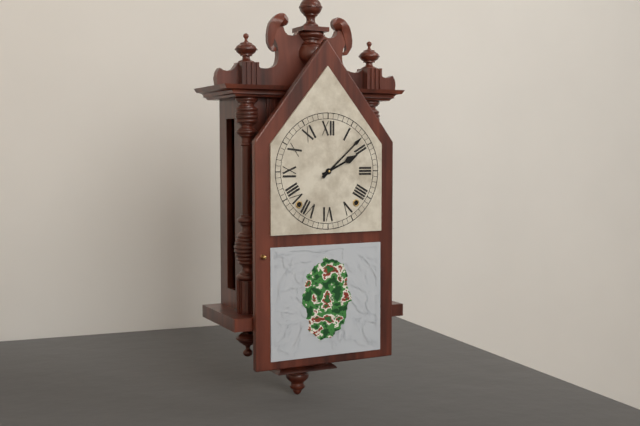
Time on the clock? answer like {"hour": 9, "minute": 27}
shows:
{"hour": 2, "minute": 8}
